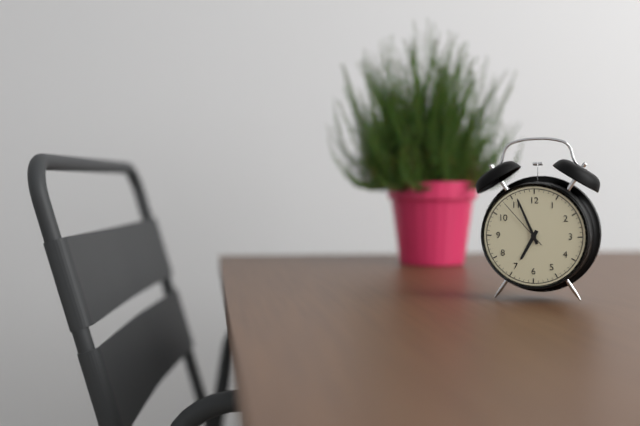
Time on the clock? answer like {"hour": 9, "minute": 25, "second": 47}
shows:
{"hour": 6, "minute": 56, "second": 53}
